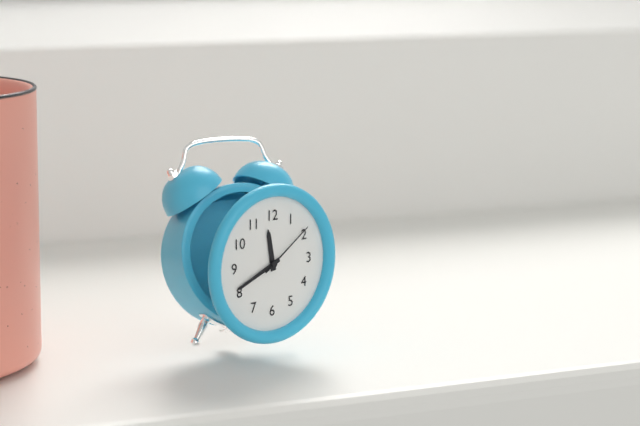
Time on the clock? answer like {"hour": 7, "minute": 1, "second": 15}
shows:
{"hour": 11, "minute": 41, "second": 9}
